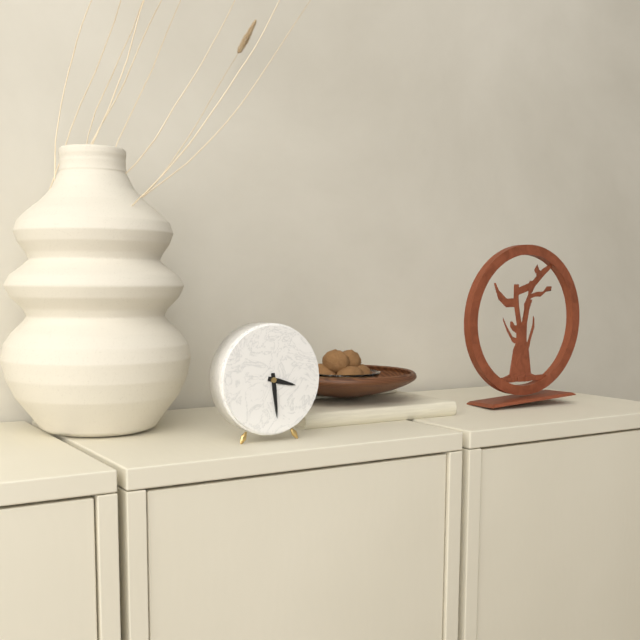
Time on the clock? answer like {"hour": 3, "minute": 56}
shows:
{"hour": 3, "minute": 29}
